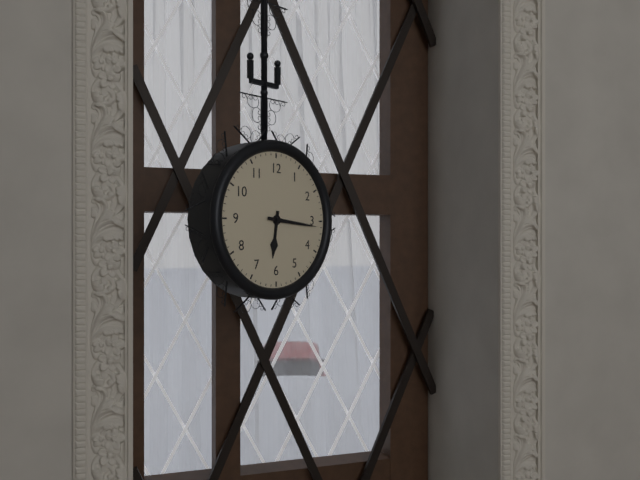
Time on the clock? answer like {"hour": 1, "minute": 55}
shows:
{"hour": 6, "minute": 16}
